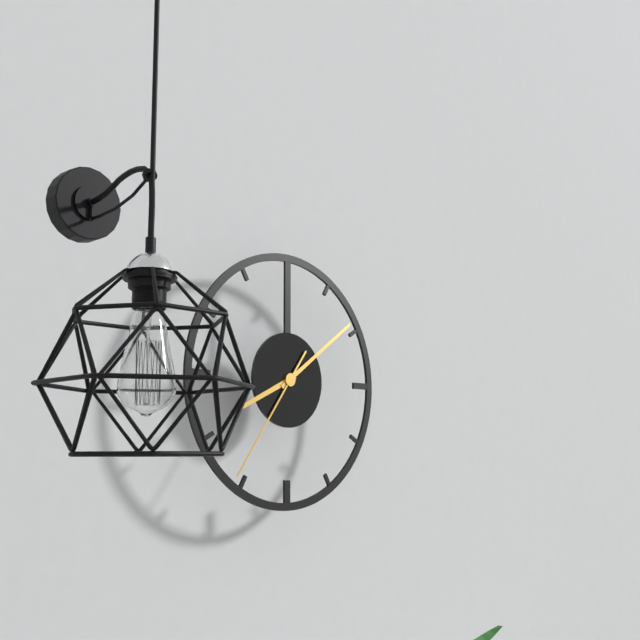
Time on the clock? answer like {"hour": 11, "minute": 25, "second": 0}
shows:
{"hour": 8, "minute": 9, "second": 36}
